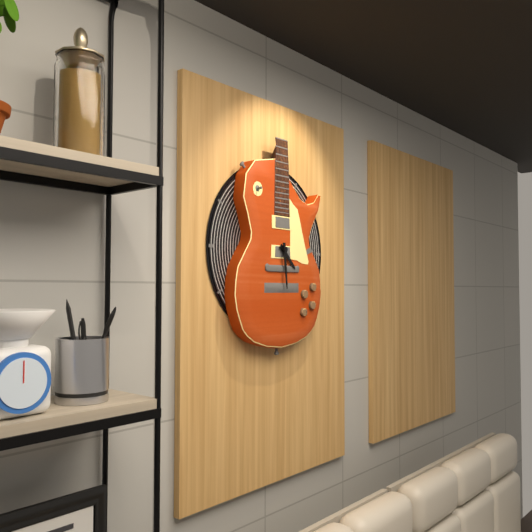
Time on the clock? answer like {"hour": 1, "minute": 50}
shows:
{"hour": 4, "minute": 29}
